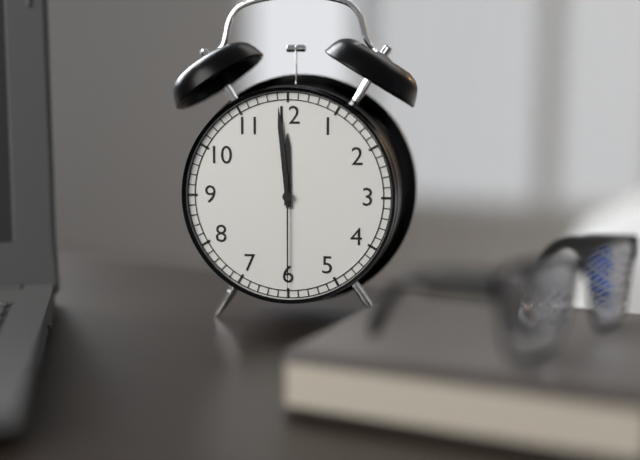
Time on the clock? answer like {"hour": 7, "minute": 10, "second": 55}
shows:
{"hour": 11, "minute": 59, "second": 30}
